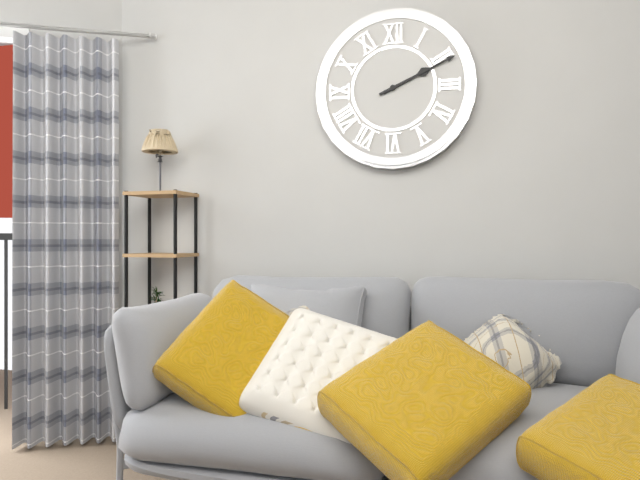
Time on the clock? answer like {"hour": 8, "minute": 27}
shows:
{"hour": 2, "minute": 11}
